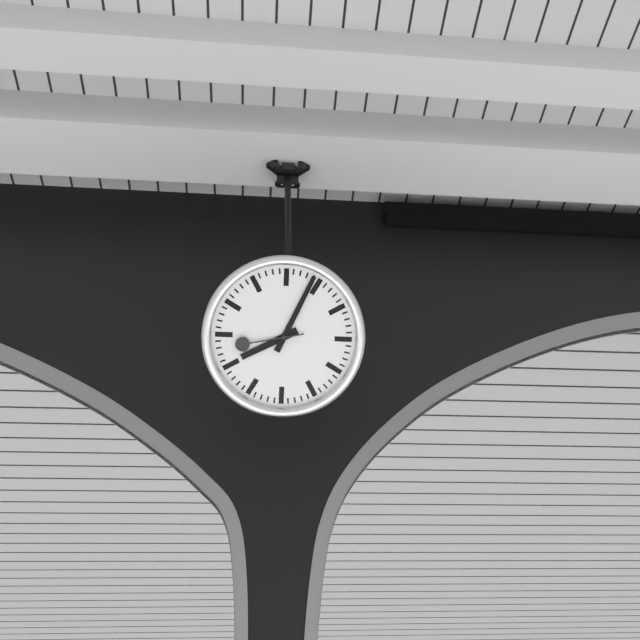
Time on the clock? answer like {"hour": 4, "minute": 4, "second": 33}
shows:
{"hour": 8, "minute": 4, "second": 43}
